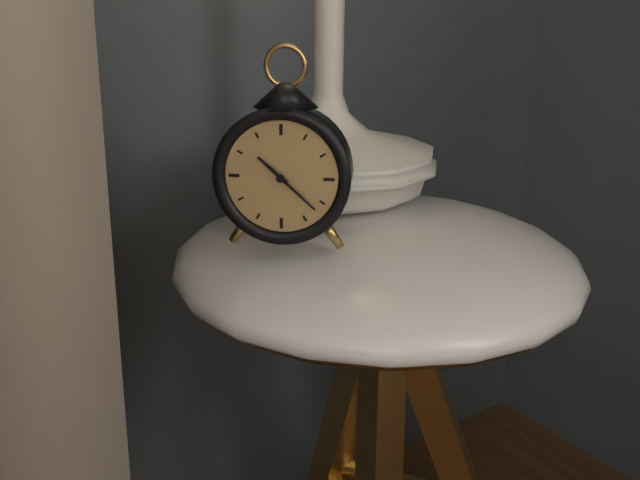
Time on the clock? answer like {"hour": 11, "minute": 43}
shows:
{"hour": 10, "minute": 22}
